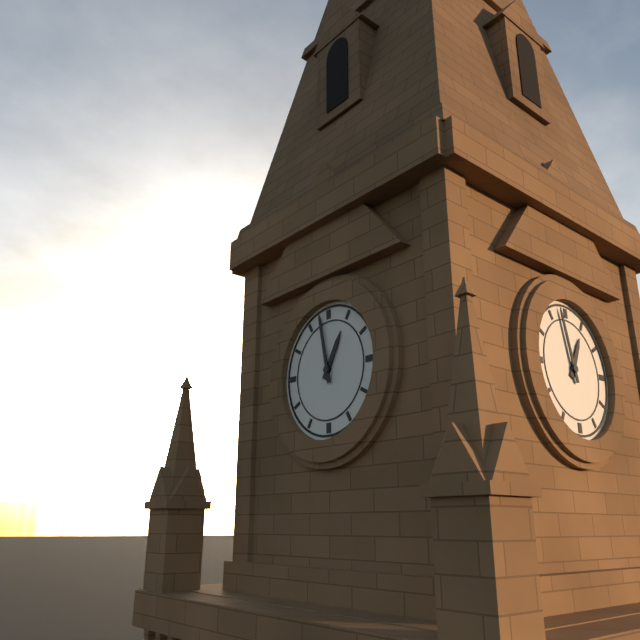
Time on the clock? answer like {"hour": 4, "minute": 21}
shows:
{"hour": 12, "minute": 58}
